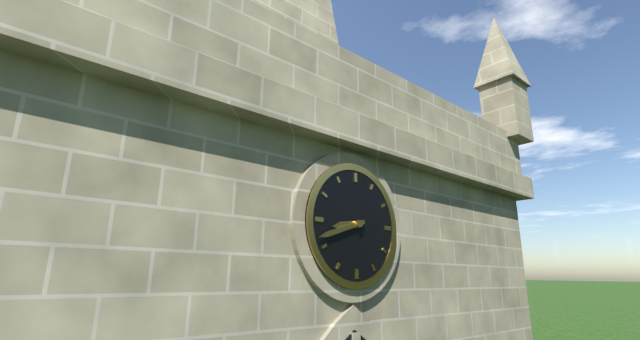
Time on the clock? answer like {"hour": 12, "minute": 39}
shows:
{"hour": 8, "minute": 42}
